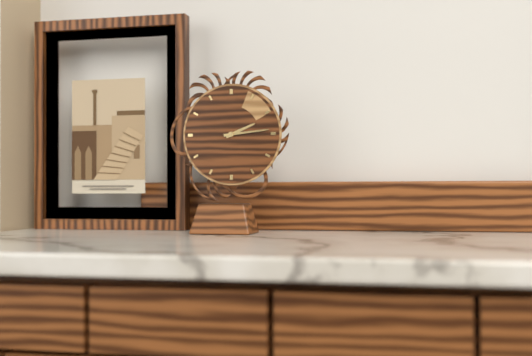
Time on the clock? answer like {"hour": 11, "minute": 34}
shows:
{"hour": 2, "minute": 14}
